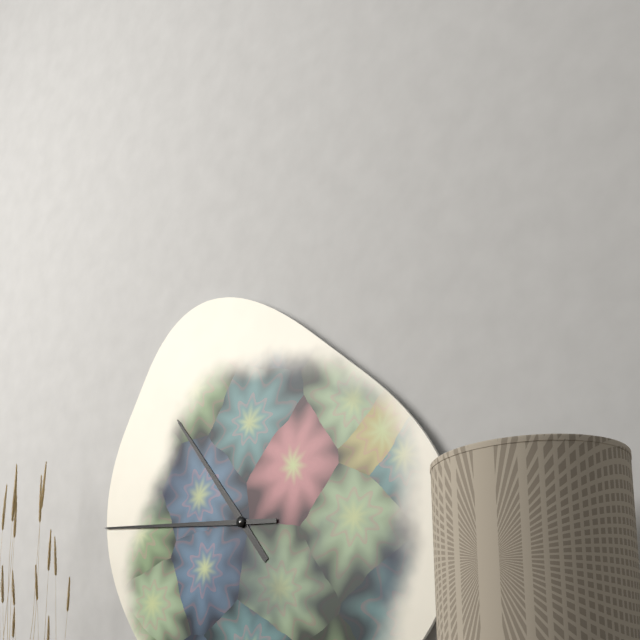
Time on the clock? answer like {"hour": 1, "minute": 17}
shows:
{"hour": 10, "minute": 46}
